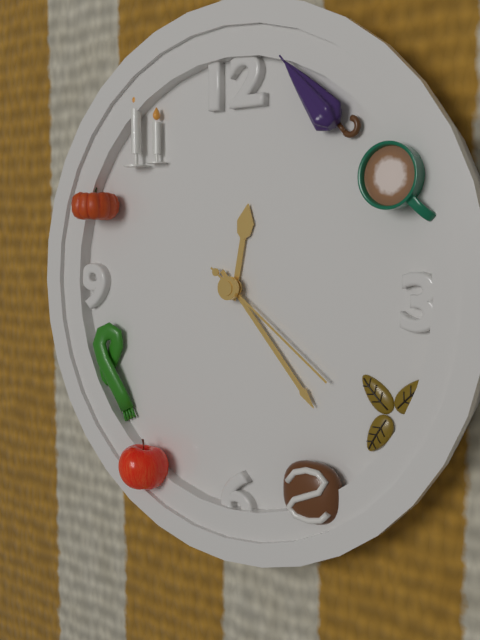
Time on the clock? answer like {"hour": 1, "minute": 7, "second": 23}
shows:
{"hour": 12, "minute": 23, "second": 21}
